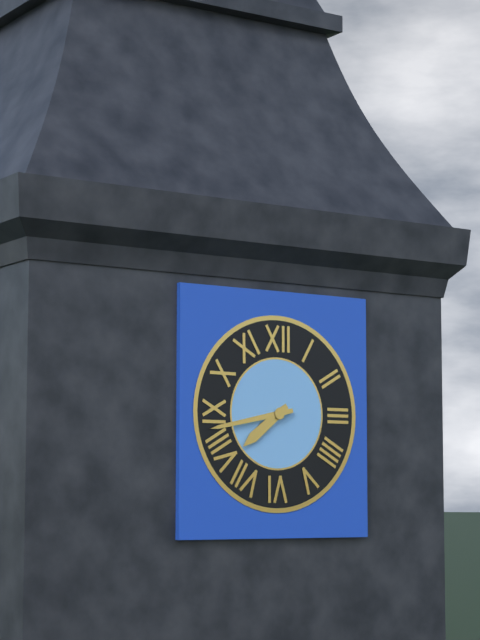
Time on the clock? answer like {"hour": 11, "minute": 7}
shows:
{"hour": 7, "minute": 43}
